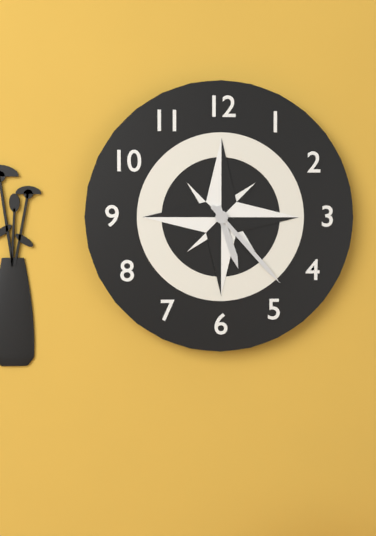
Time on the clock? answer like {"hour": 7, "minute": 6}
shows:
{"hour": 5, "minute": 23}
